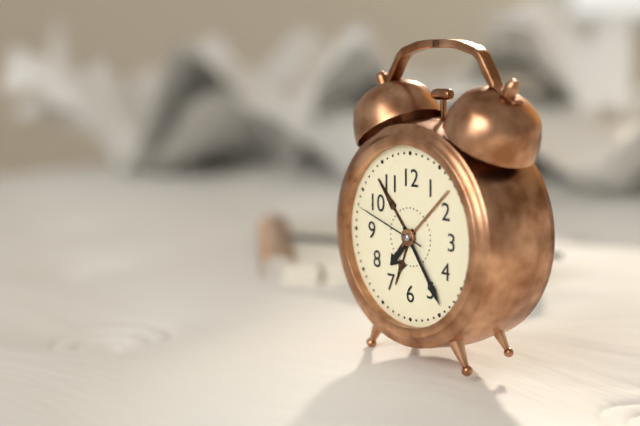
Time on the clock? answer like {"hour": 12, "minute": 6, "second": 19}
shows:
{"hour": 7, "minute": 24, "second": 48}
